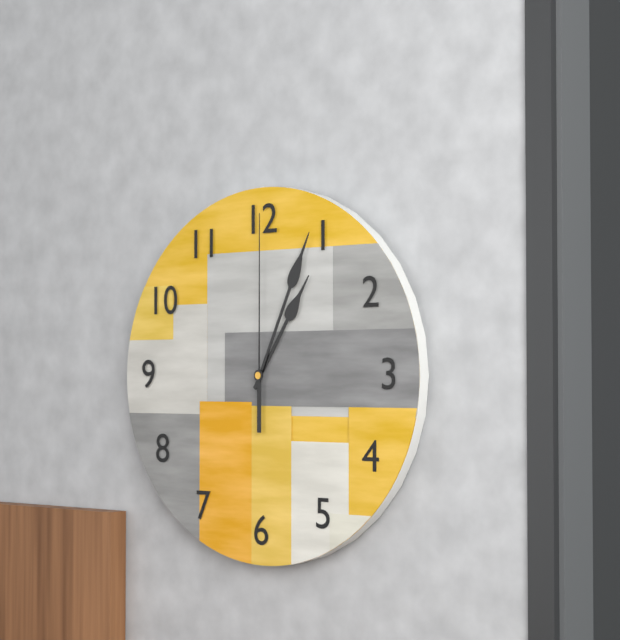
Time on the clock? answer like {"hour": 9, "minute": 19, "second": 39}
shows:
{"hour": 1, "minute": 4, "second": 0}
